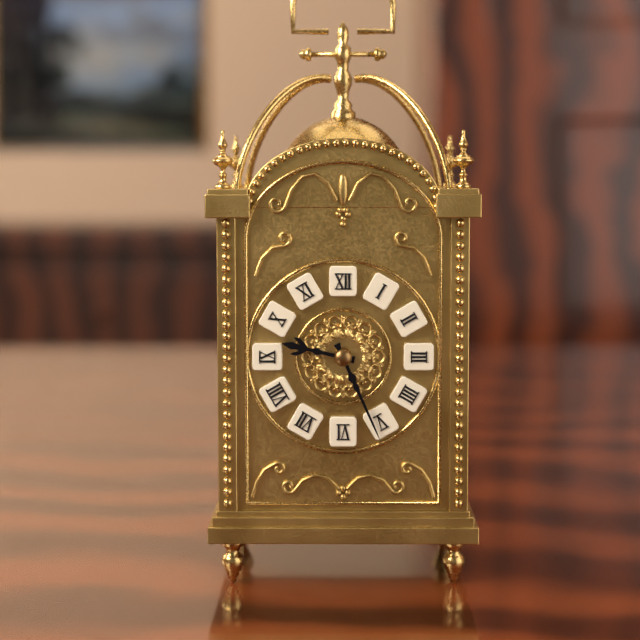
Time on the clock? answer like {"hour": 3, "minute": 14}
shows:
{"hour": 9, "minute": 26}
